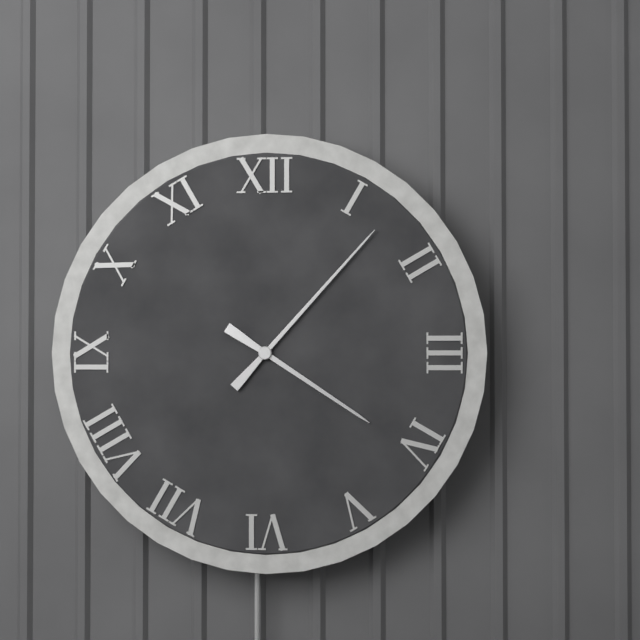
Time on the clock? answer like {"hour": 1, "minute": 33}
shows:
{"hour": 4, "minute": 7}
